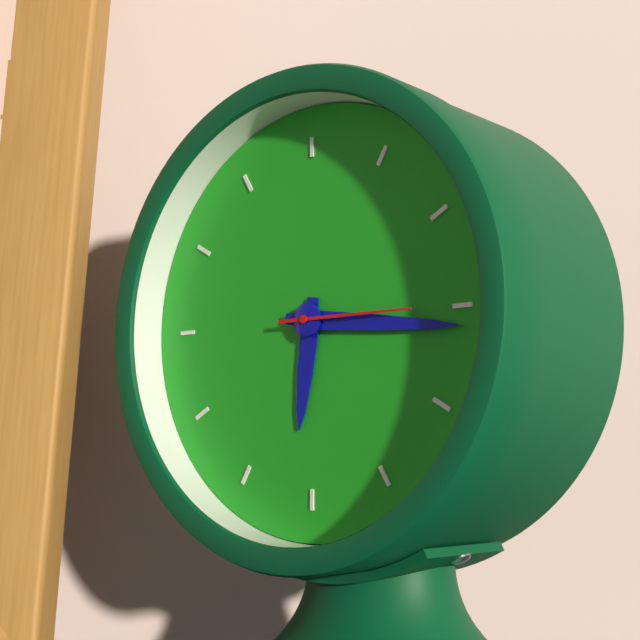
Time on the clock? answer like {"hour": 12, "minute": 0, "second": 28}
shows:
{"hour": 6, "minute": 16, "second": 15}
